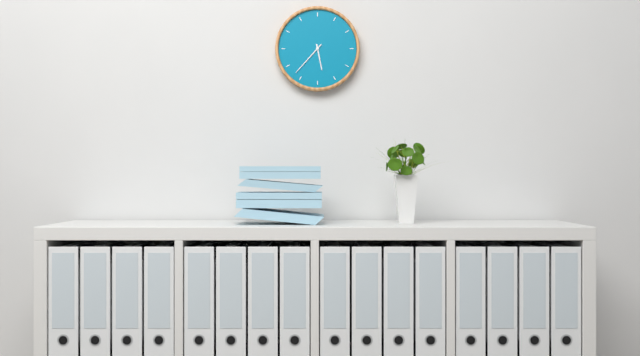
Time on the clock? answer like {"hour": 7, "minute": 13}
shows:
{"hour": 5, "minute": 37}
